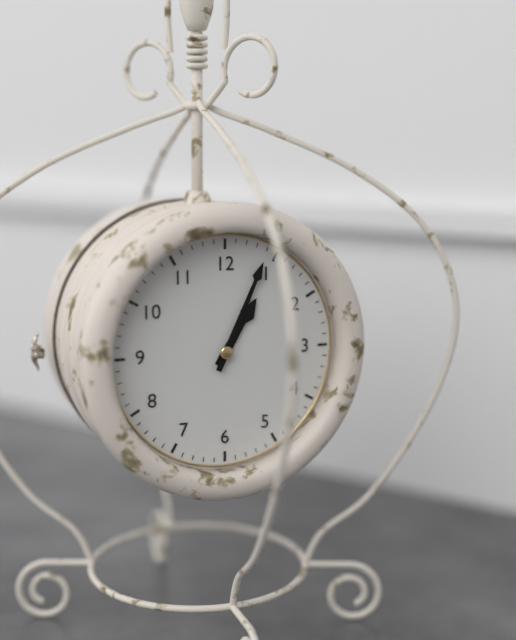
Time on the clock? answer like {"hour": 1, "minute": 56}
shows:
{"hour": 1, "minute": 4}
